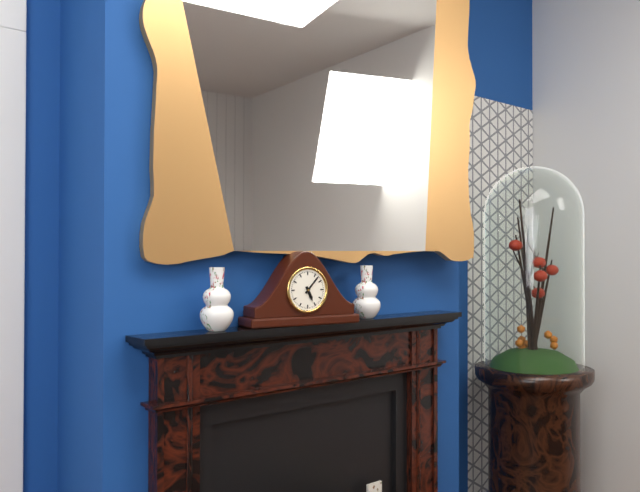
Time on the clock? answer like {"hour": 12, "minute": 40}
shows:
{"hour": 5, "minute": 7}
